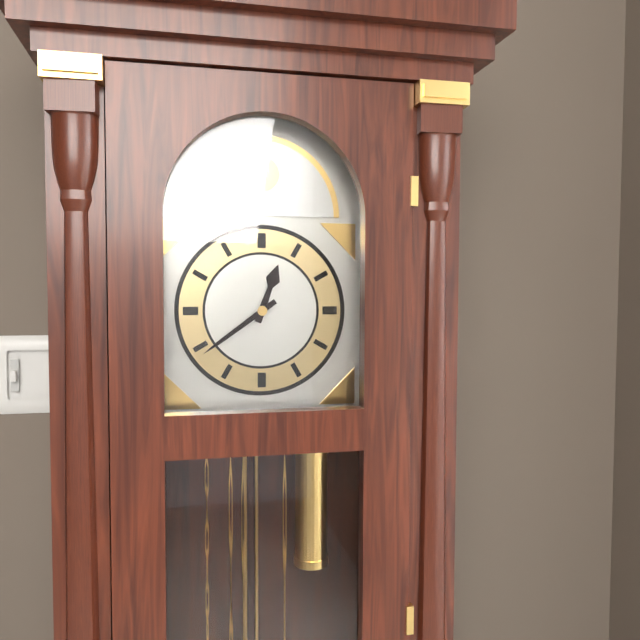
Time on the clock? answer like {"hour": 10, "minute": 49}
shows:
{"hour": 12, "minute": 39}
